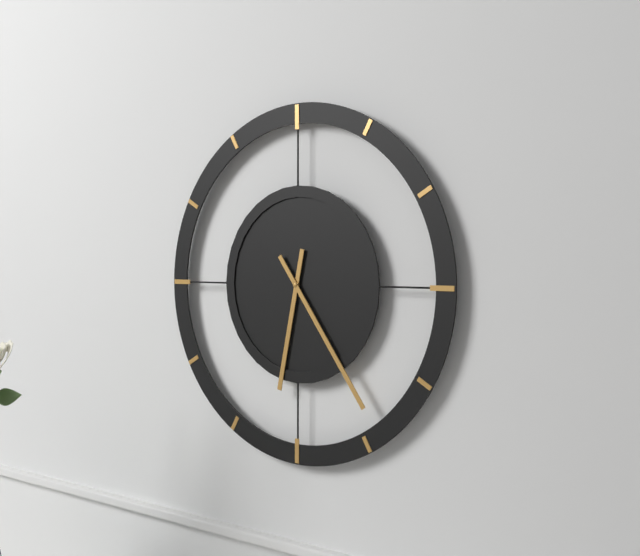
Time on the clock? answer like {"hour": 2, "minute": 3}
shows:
{"hour": 6, "minute": 24}
